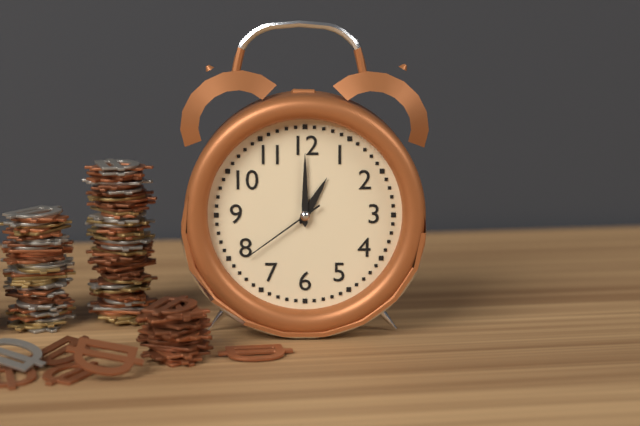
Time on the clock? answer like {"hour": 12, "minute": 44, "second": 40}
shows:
{"hour": 1, "minute": 0, "second": 39}
